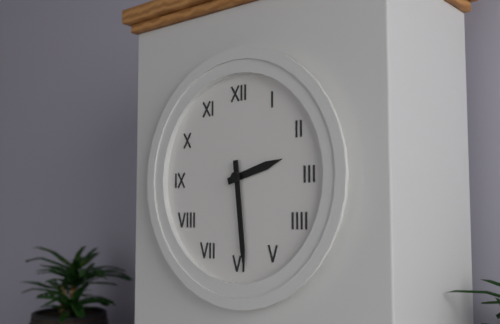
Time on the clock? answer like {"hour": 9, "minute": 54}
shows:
{"hour": 2, "minute": 29}
